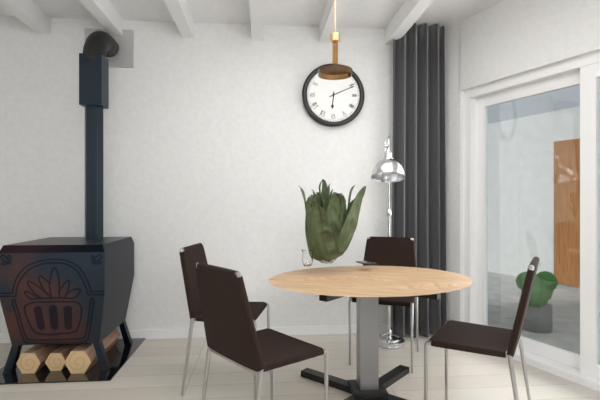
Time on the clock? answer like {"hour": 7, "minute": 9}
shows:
{"hour": 6, "minute": 11}
